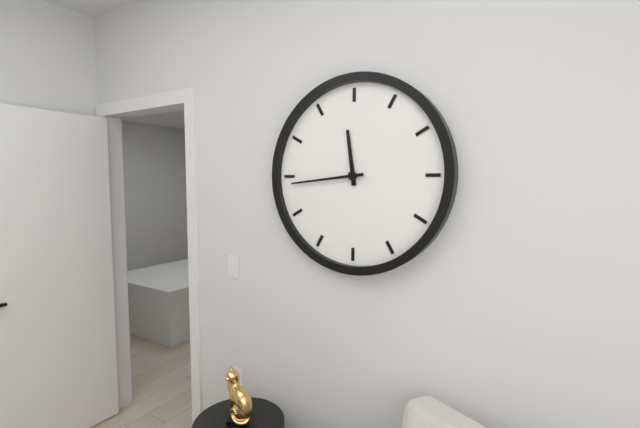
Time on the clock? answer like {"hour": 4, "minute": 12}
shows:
{"hour": 11, "minute": 44}
